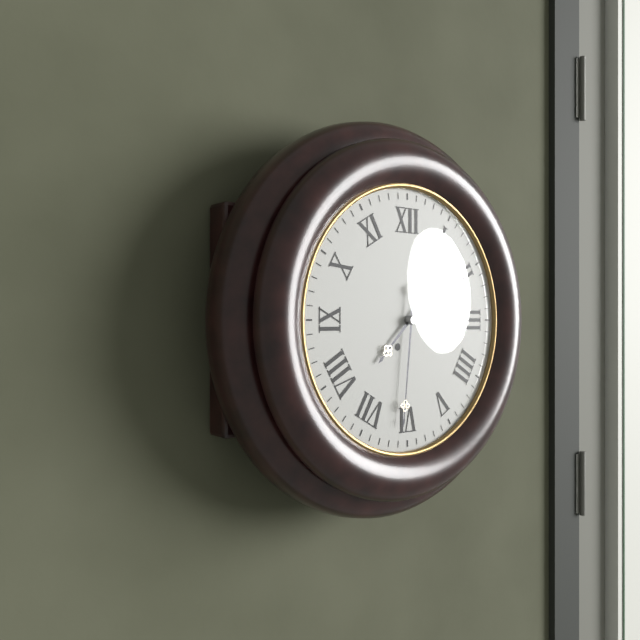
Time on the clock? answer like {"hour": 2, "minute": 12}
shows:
{"hour": 7, "minute": 31}
